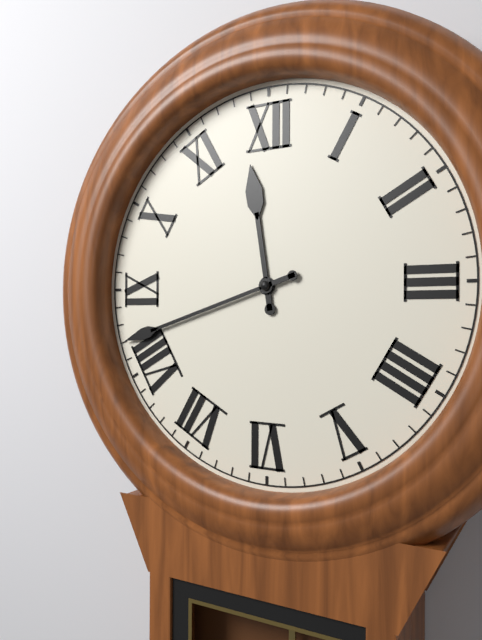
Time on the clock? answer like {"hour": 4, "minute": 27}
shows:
{"hour": 11, "minute": 42}
